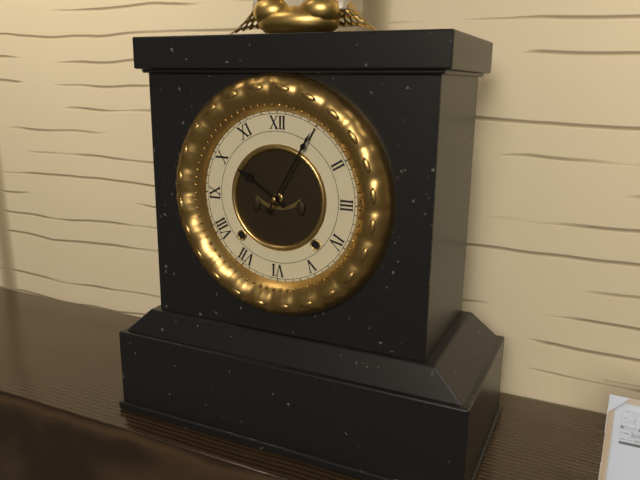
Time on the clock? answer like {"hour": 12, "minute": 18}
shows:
{"hour": 10, "minute": 5}
